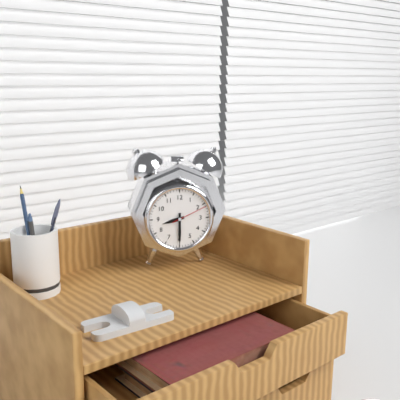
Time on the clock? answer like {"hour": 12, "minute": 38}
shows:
{"hour": 8, "minute": 30}
